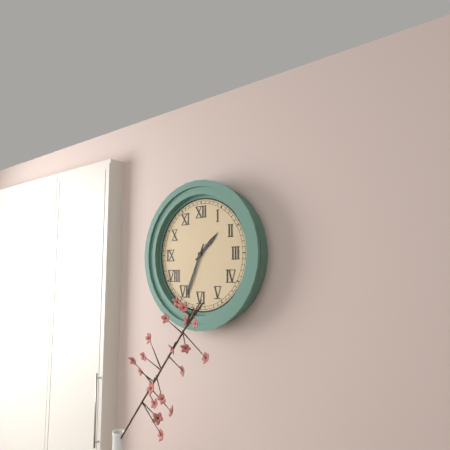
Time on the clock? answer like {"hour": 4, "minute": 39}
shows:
{"hour": 1, "minute": 34}
